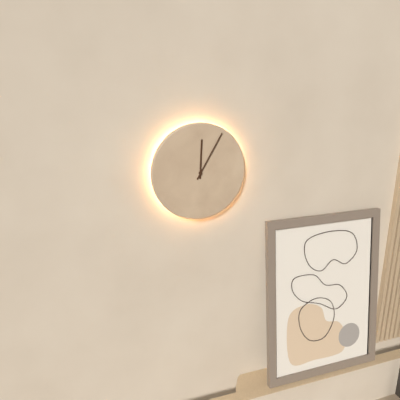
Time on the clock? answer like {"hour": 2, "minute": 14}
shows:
{"hour": 12, "minute": 5}
